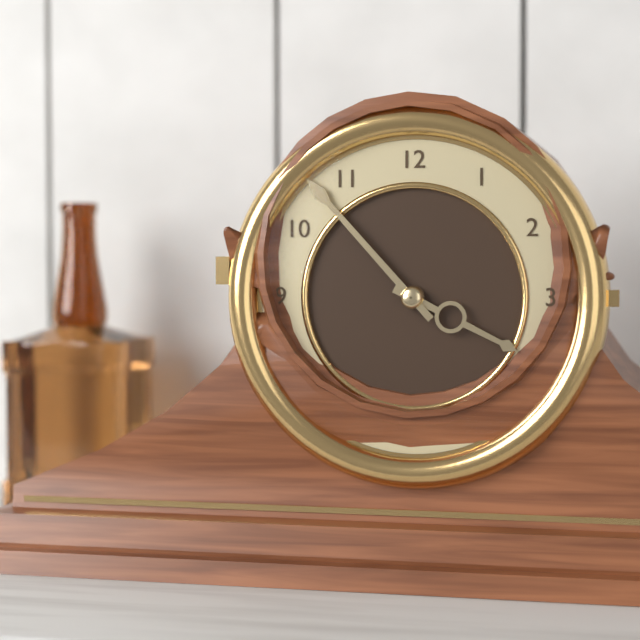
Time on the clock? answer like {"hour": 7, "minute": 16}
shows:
{"hour": 3, "minute": 53}
